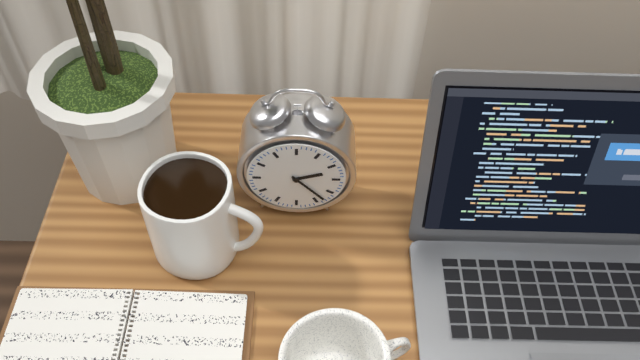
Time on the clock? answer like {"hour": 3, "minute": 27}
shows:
{"hour": 2, "minute": 23}
